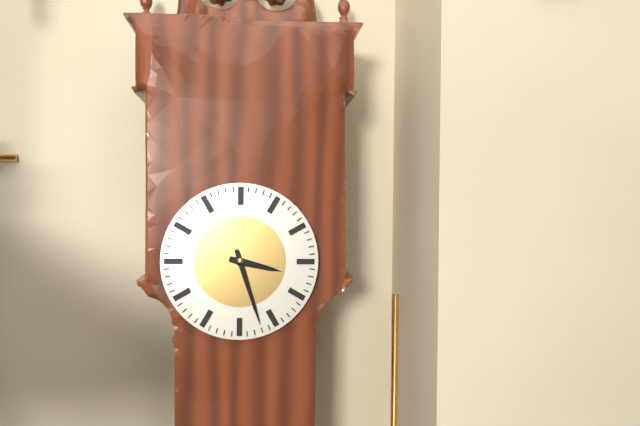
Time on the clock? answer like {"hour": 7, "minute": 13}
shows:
{"hour": 3, "minute": 27}
